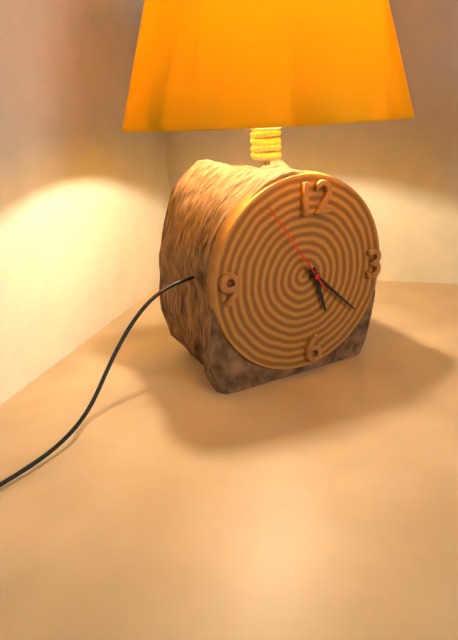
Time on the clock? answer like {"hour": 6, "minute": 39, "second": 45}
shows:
{"hour": 5, "minute": 22, "second": 54}
